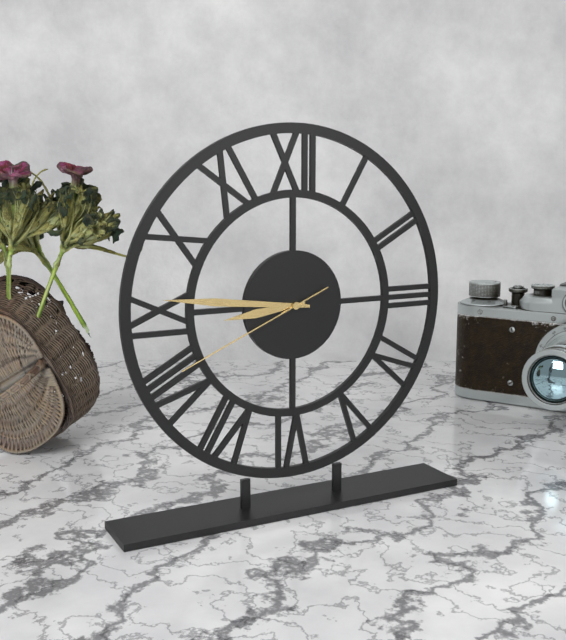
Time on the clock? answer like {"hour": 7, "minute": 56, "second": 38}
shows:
{"hour": 8, "minute": 46, "second": 41}
